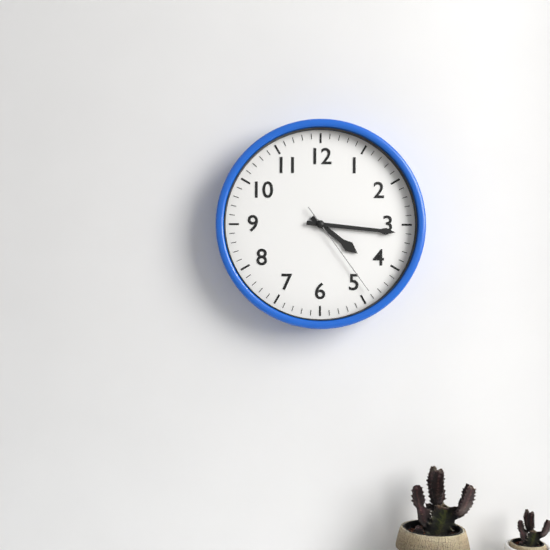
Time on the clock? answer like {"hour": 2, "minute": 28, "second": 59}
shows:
{"hour": 4, "minute": 16, "second": 24}
